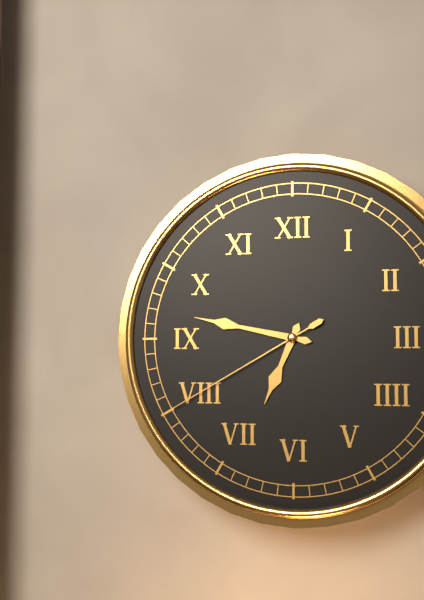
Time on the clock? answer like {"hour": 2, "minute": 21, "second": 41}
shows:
{"hour": 6, "minute": 47, "second": 40}
